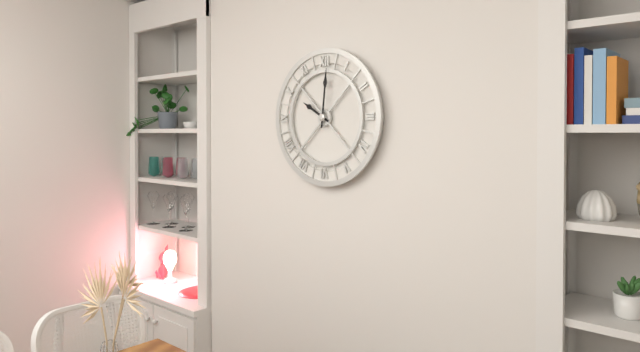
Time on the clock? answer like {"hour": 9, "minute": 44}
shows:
{"hour": 10, "minute": 1}
